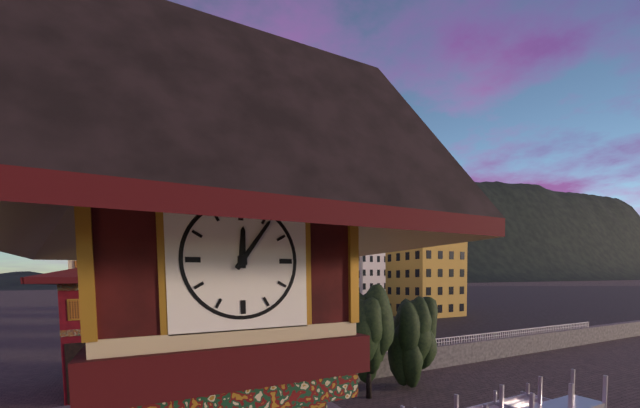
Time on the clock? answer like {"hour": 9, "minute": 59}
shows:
{"hour": 12, "minute": 6}
